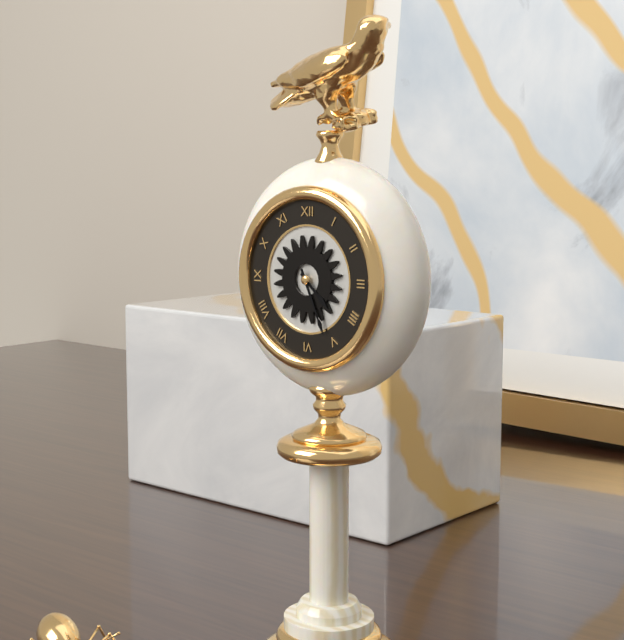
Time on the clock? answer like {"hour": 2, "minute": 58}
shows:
{"hour": 4, "minute": 26}
